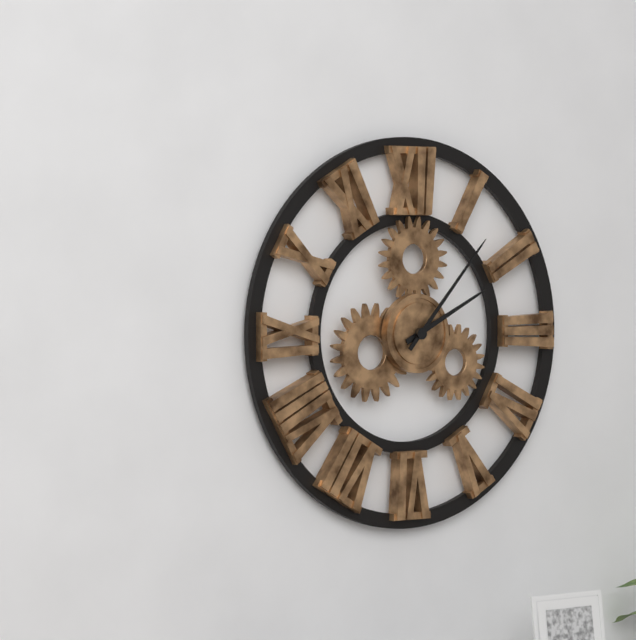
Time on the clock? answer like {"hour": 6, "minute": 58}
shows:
{"hour": 2, "minute": 7}
